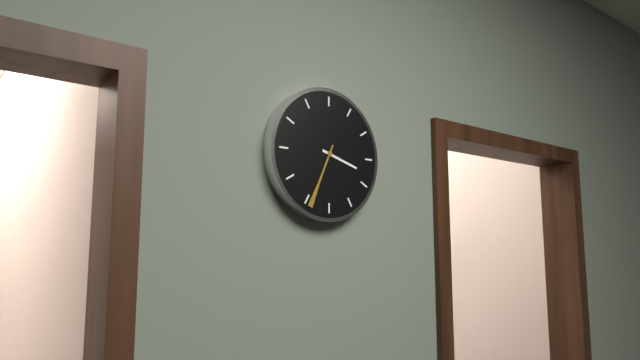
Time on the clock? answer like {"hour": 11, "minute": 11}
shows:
{"hour": 3, "minute": 34}
